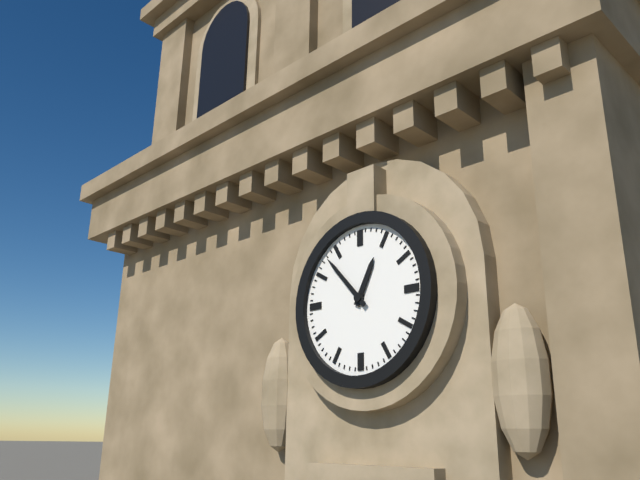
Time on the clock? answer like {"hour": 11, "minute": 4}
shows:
{"hour": 12, "minute": 53}
